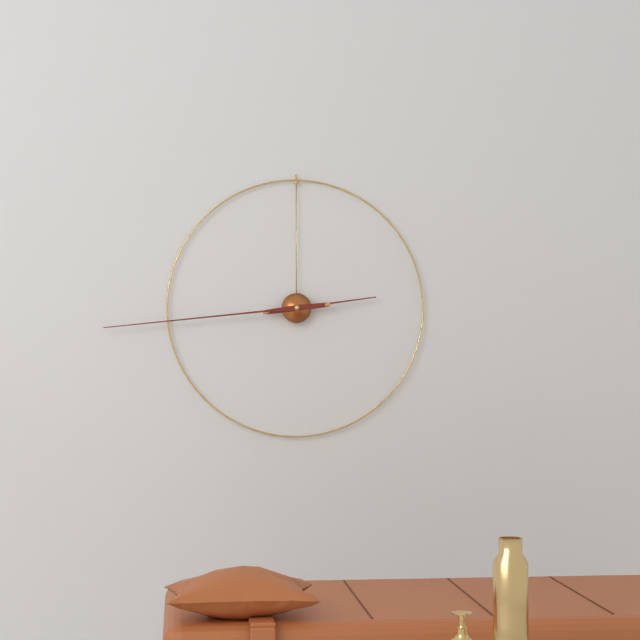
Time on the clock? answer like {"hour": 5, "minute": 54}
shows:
{"hour": 2, "minute": 44}
